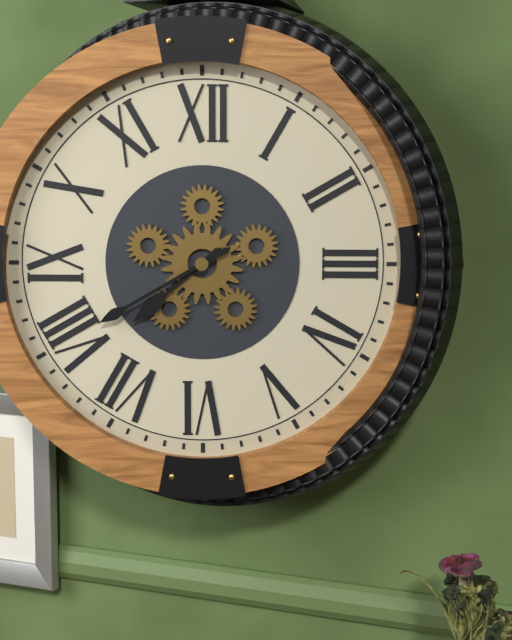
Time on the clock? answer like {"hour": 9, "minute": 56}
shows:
{"hour": 7, "minute": 40}
